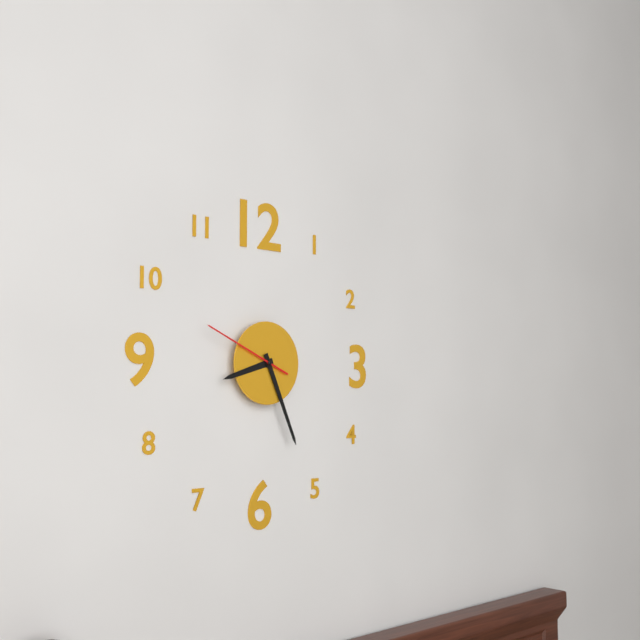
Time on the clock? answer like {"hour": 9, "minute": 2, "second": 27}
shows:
{"hour": 8, "minute": 26, "second": 49}
